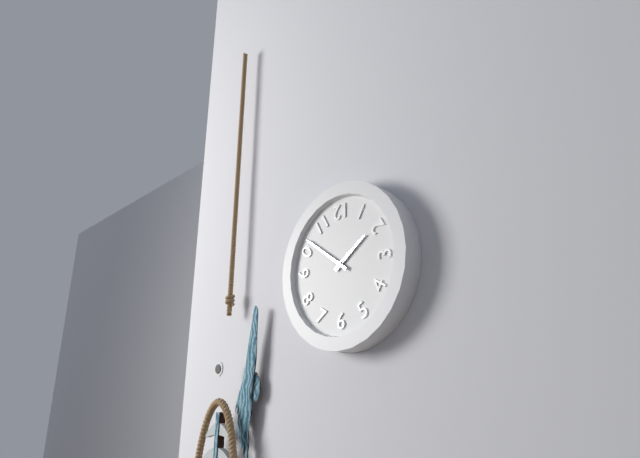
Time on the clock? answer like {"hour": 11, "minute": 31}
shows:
{"hour": 1, "minute": 51}
